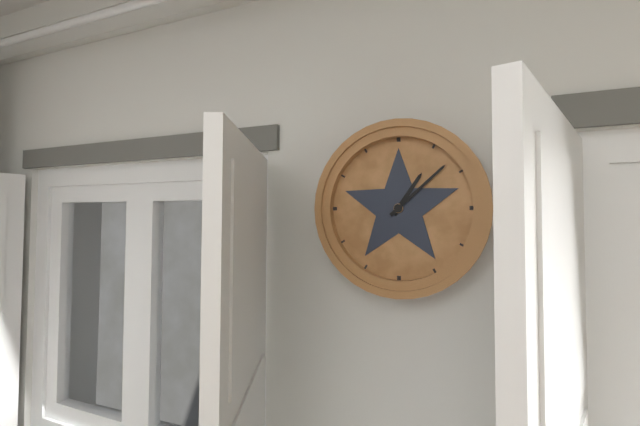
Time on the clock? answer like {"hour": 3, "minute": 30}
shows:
{"hour": 1, "minute": 8}
